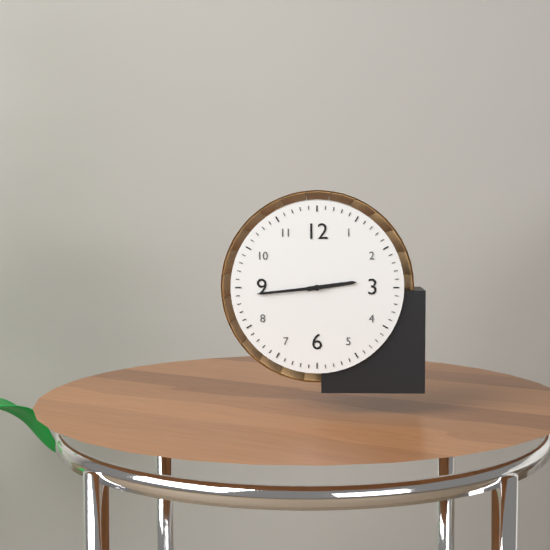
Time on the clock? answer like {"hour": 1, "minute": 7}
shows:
{"hour": 2, "minute": 44}
